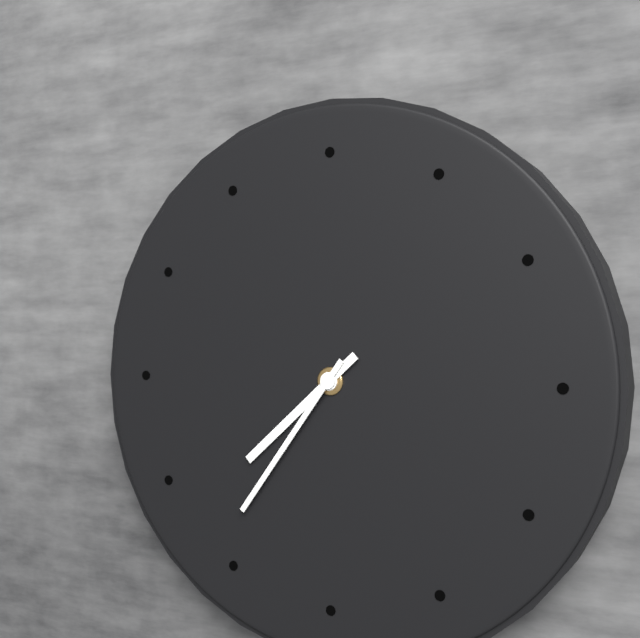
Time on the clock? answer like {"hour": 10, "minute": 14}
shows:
{"hour": 7, "minute": 36}
